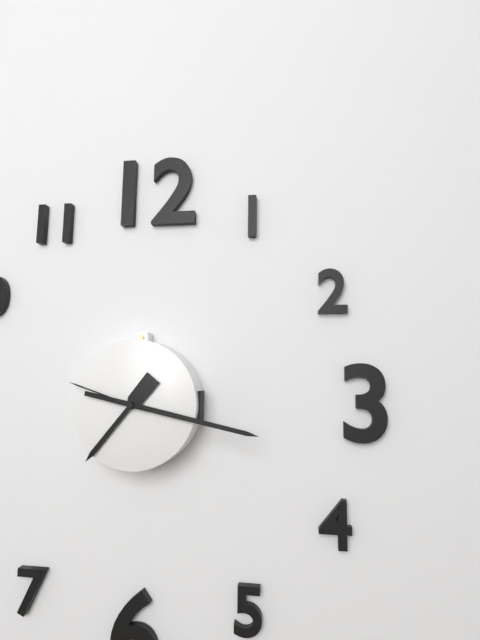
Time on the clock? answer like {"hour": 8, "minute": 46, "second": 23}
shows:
{"hour": 7, "minute": 17, "second": 48}
